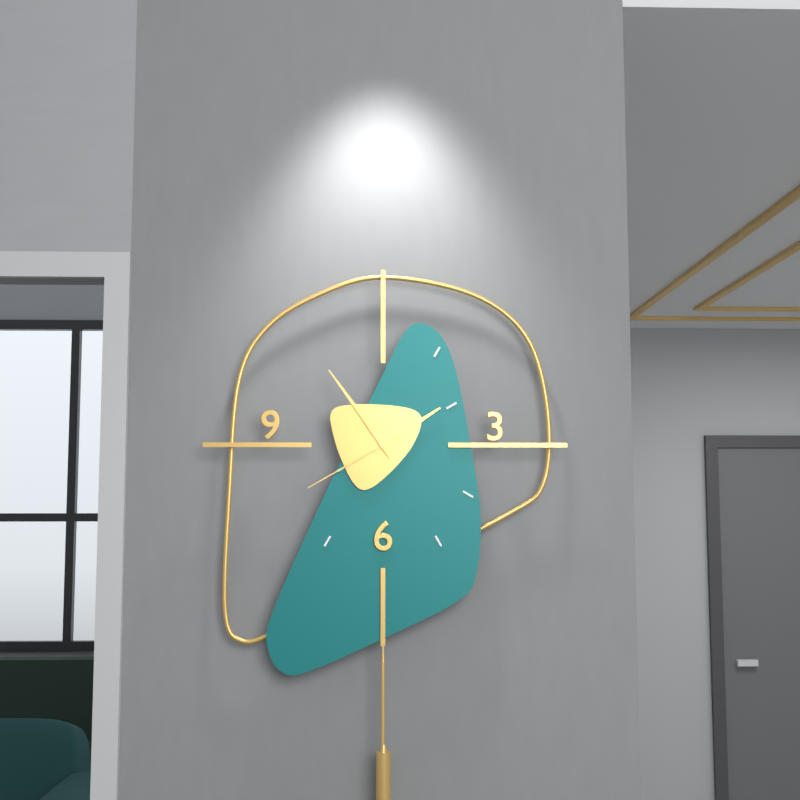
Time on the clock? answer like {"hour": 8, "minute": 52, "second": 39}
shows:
{"hour": 1, "minute": 54, "second": 40}
